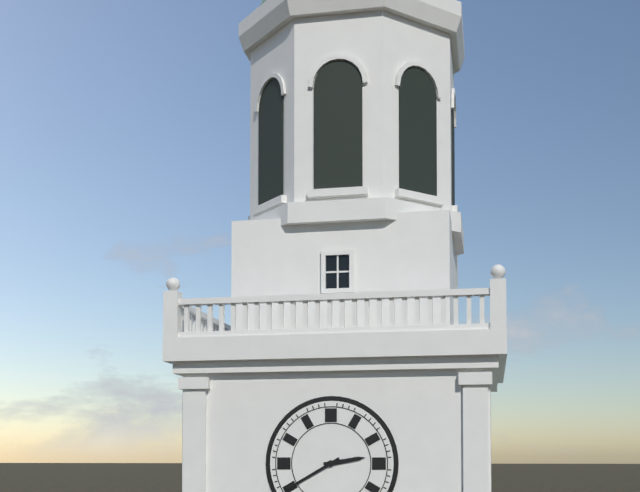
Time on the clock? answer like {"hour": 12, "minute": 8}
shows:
{"hour": 2, "minute": 40}
